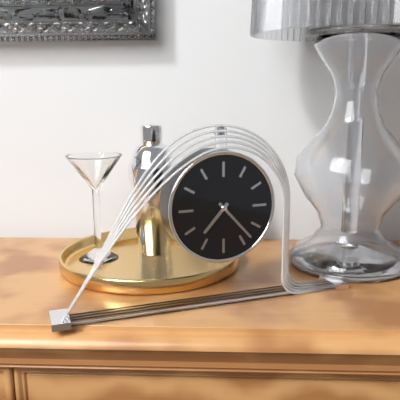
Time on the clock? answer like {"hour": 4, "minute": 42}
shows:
{"hour": 7, "minute": 23}
